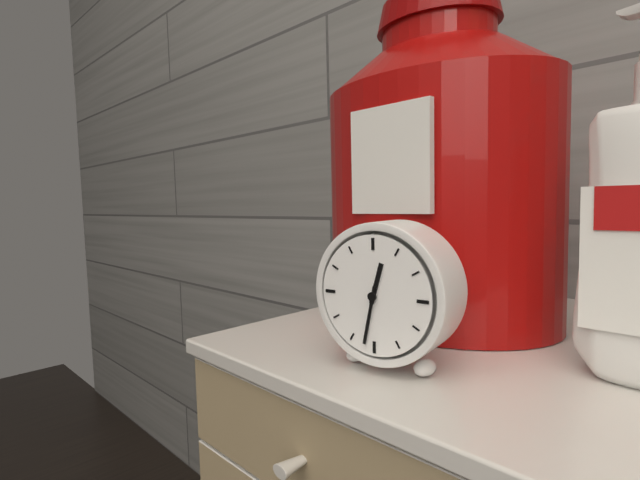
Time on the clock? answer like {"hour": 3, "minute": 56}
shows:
{"hour": 12, "minute": 32}
